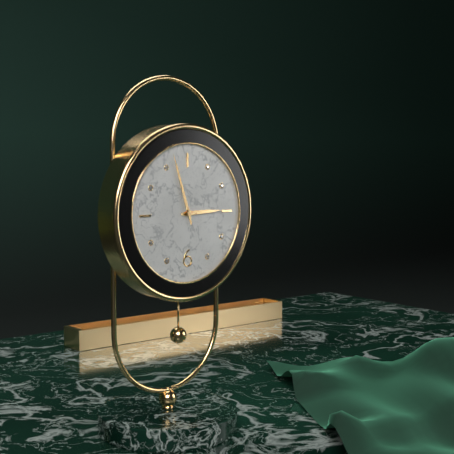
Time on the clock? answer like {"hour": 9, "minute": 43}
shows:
{"hour": 2, "minute": 57}
